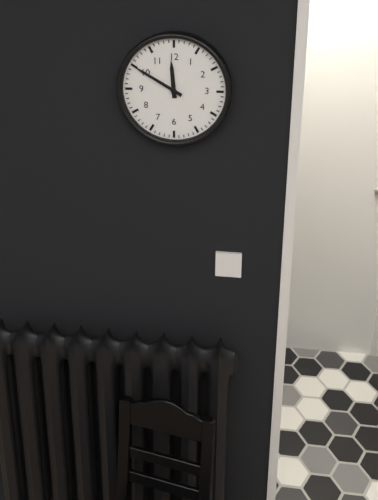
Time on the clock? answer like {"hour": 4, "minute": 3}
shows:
{"hour": 11, "minute": 50}
